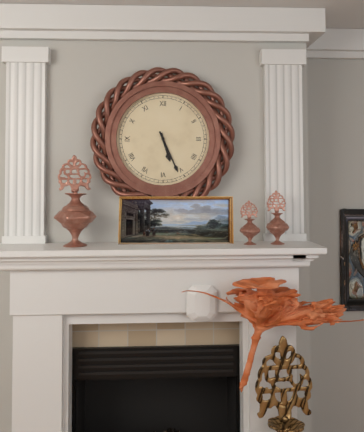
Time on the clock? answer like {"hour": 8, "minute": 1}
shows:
{"hour": 5, "minute": 26}
